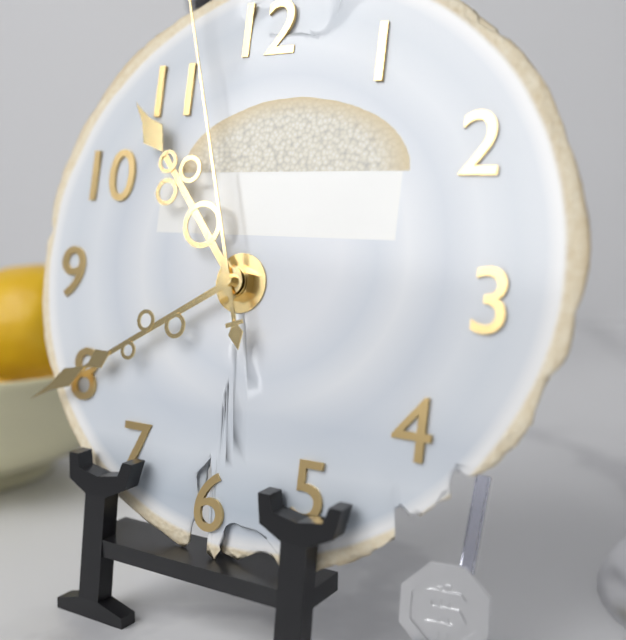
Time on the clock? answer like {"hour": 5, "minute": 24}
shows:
{"hour": 10, "minute": 40}
